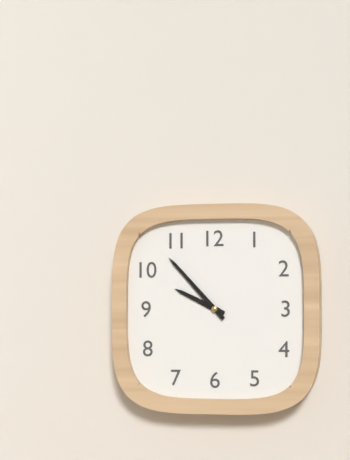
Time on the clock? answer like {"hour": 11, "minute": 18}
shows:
{"hour": 9, "minute": 53}
